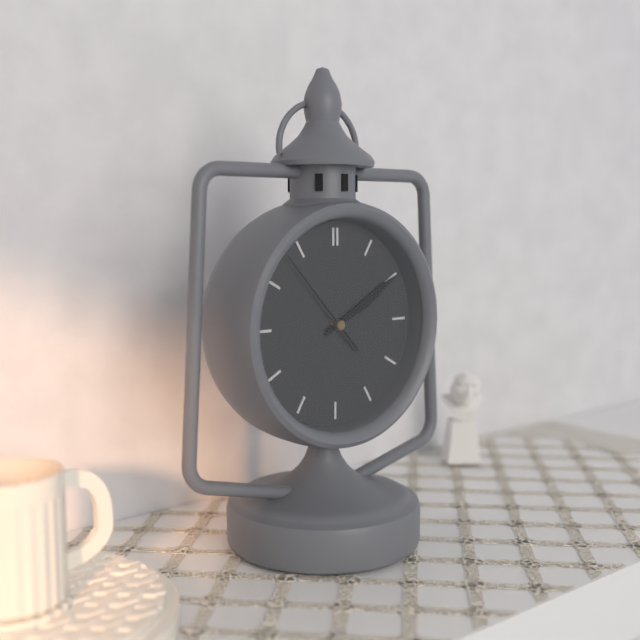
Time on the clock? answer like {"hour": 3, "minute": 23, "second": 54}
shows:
{"hour": 2, "minute": 10, "second": 53}
